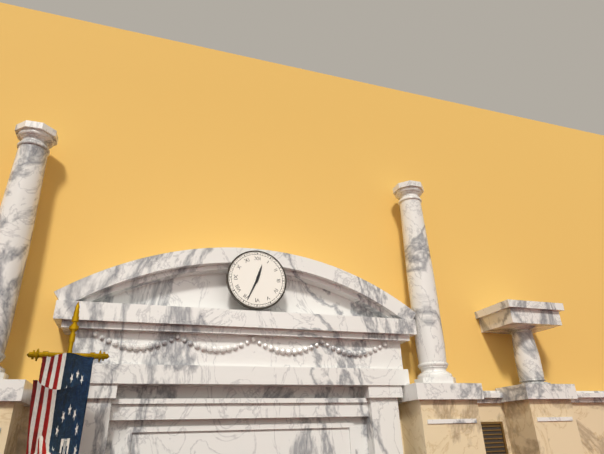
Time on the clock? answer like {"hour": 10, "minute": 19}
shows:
{"hour": 12, "minute": 34}
